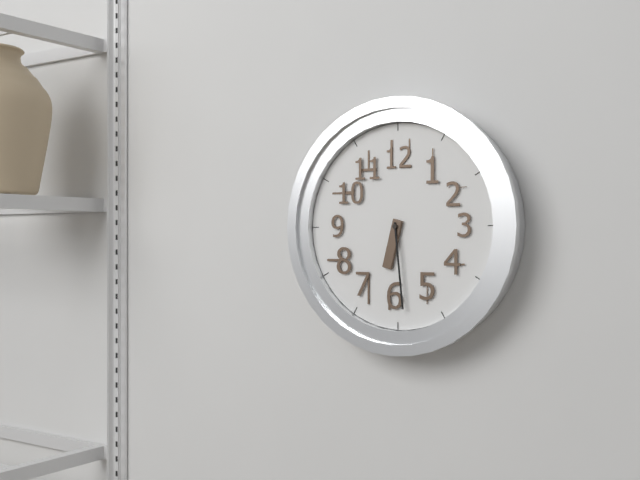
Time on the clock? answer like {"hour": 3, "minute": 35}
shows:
{"hour": 6, "minute": 29}
